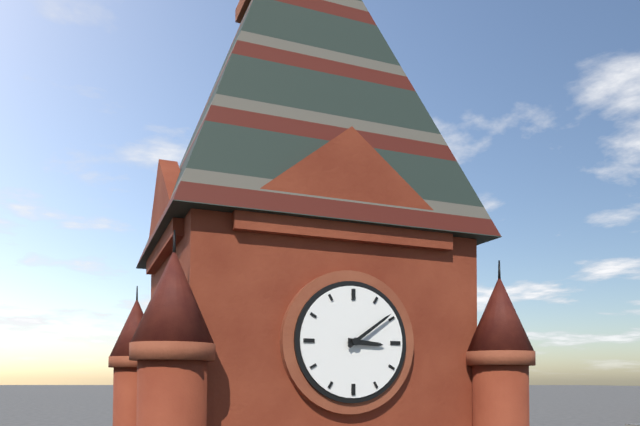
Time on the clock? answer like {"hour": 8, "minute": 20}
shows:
{"hour": 3, "minute": 9}
